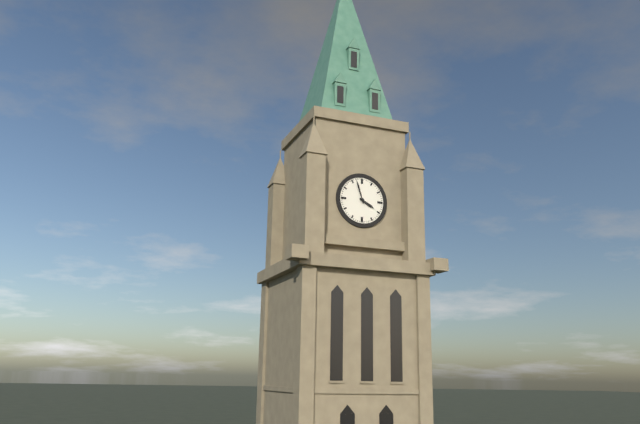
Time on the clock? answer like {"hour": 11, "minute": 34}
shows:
{"hour": 3, "minute": 57}
